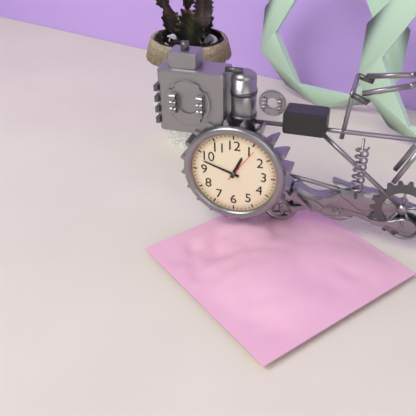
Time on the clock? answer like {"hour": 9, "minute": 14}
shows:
{"hour": 12, "minute": 48}
